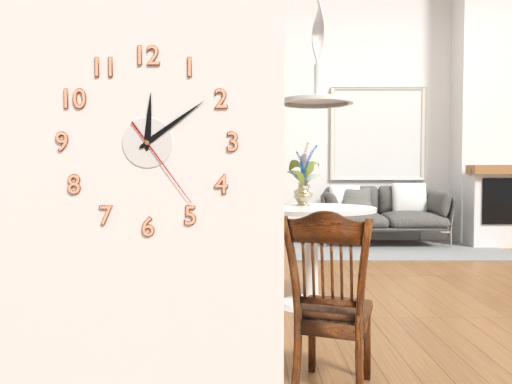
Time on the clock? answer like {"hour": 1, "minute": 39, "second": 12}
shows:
{"hour": 12, "minute": 9, "second": 24}
